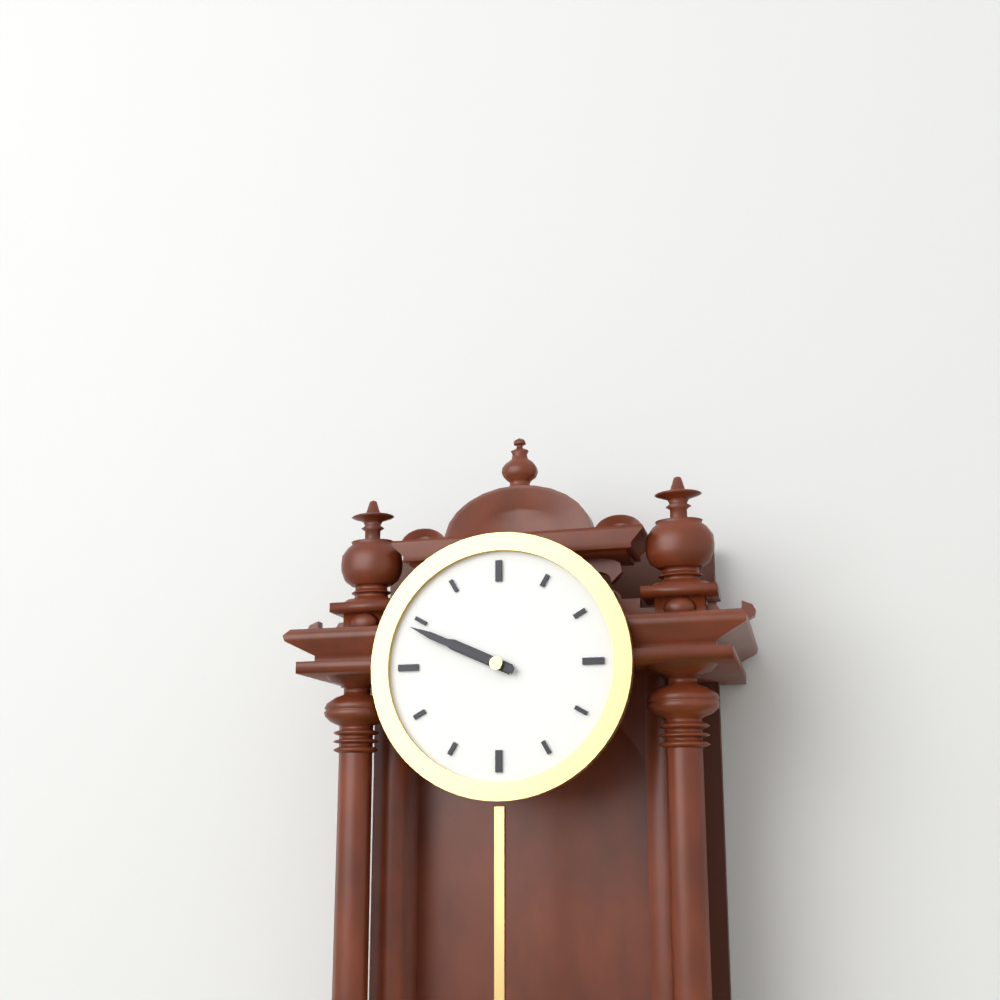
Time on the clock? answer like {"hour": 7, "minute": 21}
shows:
{"hour": 9, "minute": 49}
